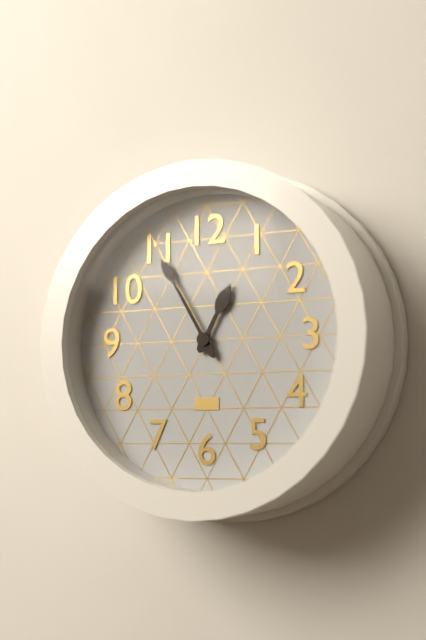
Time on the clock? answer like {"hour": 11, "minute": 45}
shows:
{"hour": 12, "minute": 55}
